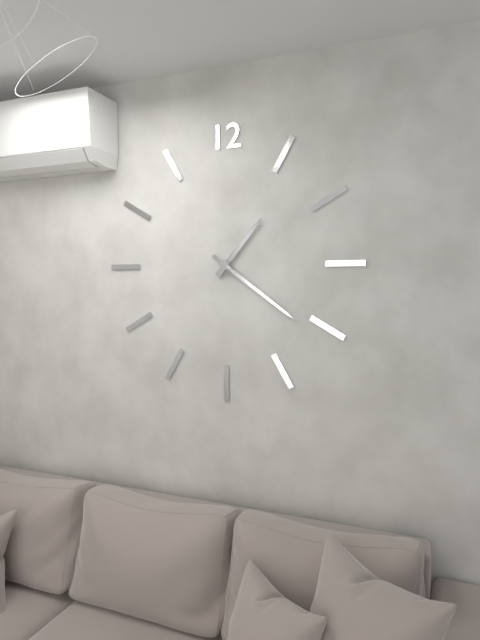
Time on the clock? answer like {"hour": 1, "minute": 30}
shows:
{"hour": 1, "minute": 21}
